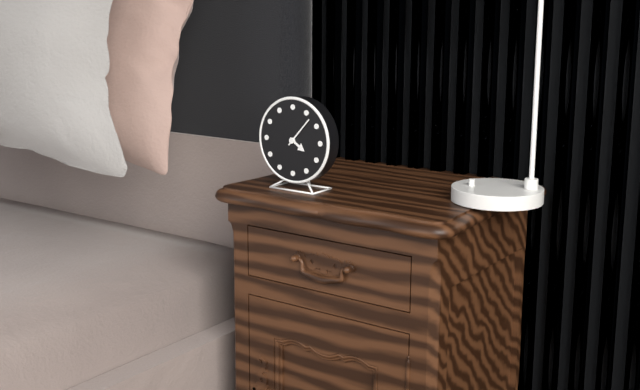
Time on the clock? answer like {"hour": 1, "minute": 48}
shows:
{"hour": 4, "minute": 7}
